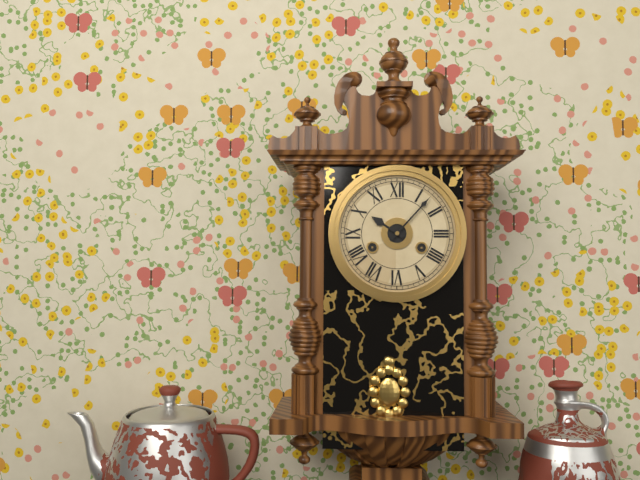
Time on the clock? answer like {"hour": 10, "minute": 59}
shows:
{"hour": 10, "minute": 7}
